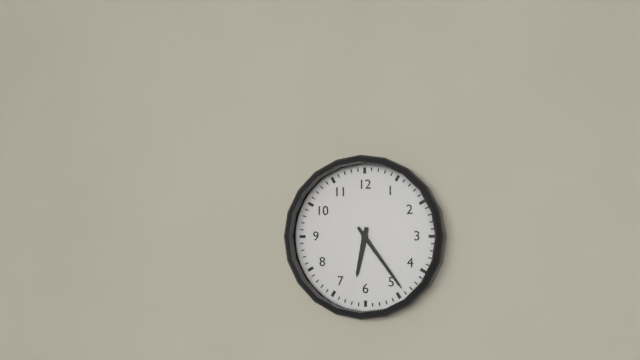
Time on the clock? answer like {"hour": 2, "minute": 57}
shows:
{"hour": 6, "minute": 24}
